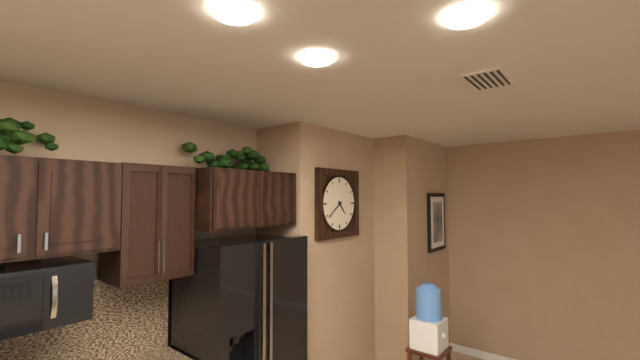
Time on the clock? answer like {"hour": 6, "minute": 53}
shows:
{"hour": 4, "minute": 39}
